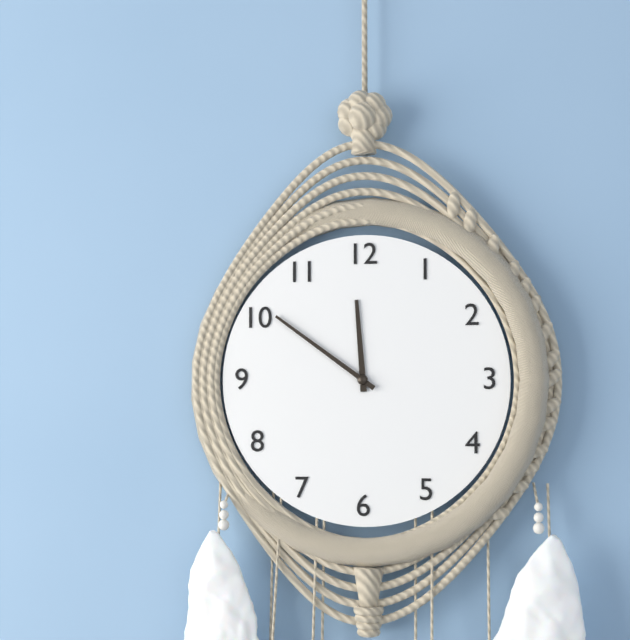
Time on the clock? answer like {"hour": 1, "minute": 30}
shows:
{"hour": 11, "minute": 51}
